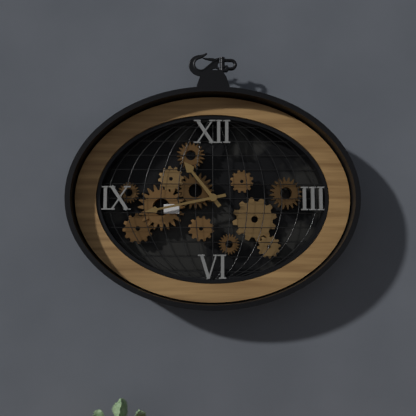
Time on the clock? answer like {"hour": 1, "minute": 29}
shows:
{"hour": 10, "minute": 43}
